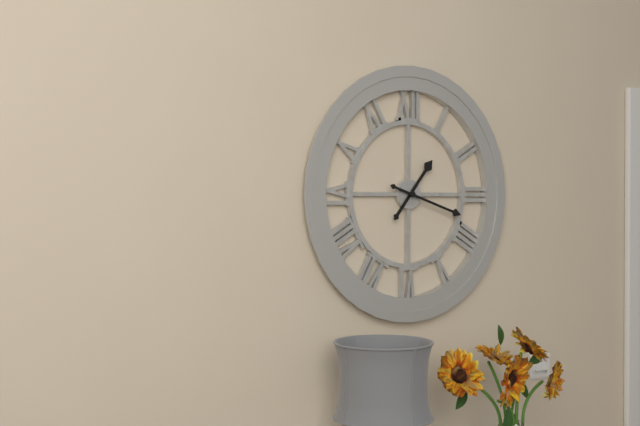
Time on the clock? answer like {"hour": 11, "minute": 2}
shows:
{"hour": 1, "minute": 18}
